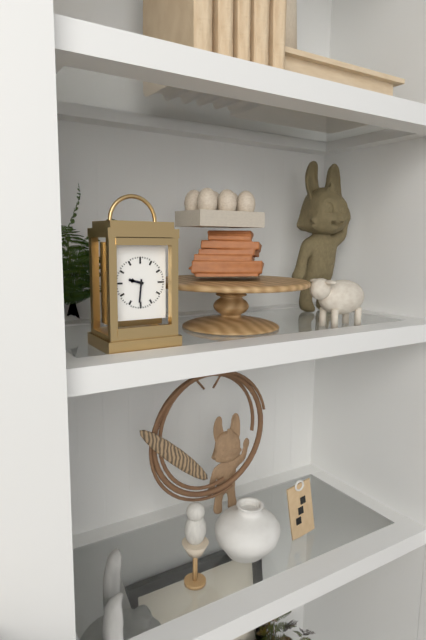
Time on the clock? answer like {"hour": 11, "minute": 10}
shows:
{"hour": 9, "minute": 31}
